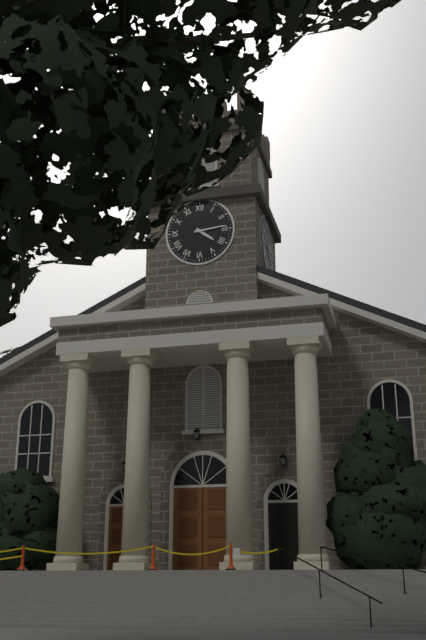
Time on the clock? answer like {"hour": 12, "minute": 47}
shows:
{"hour": 4, "minute": 14}
